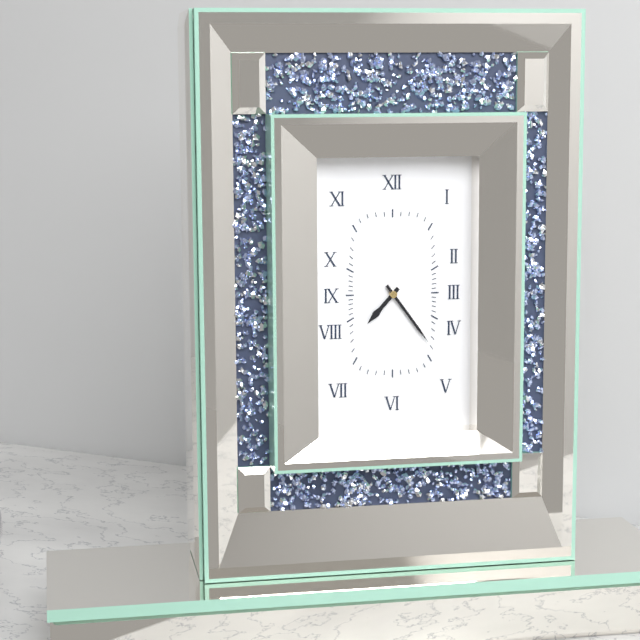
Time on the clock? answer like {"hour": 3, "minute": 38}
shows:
{"hour": 7, "minute": 24}
